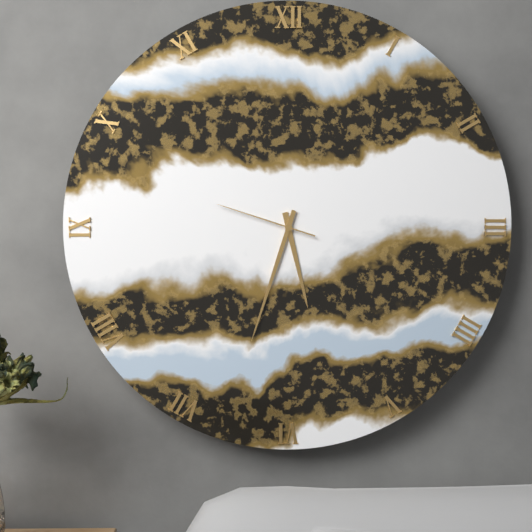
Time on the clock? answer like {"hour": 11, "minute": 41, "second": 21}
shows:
{"hour": 5, "minute": 33, "second": 48}
